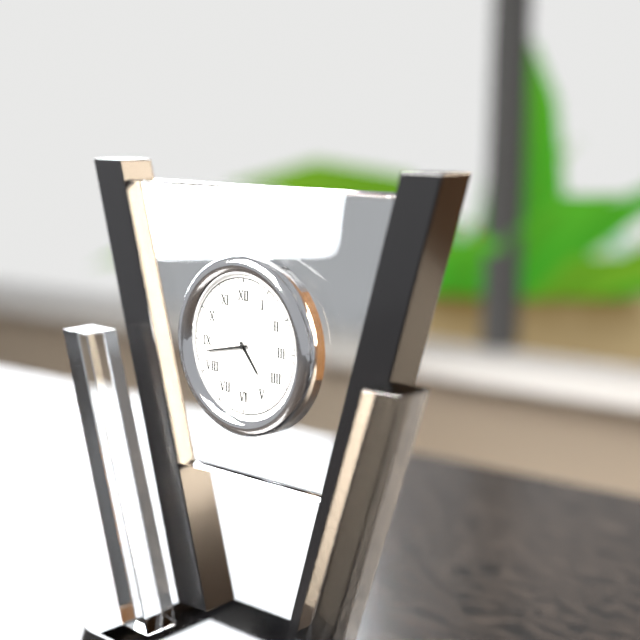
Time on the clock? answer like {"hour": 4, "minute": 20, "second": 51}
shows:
{"hour": 4, "minute": 43, "second": 29}
